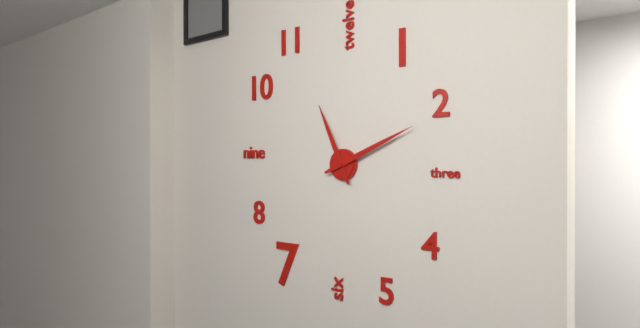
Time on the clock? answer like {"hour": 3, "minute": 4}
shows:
{"hour": 11, "minute": 11}
